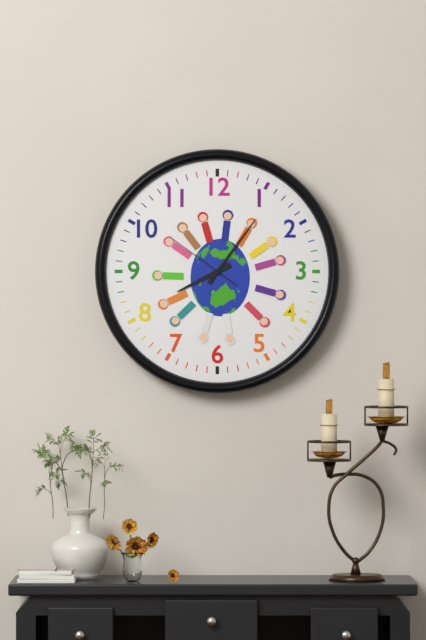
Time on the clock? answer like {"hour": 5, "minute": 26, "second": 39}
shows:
{"hour": 8, "minute": 6, "second": 51}
